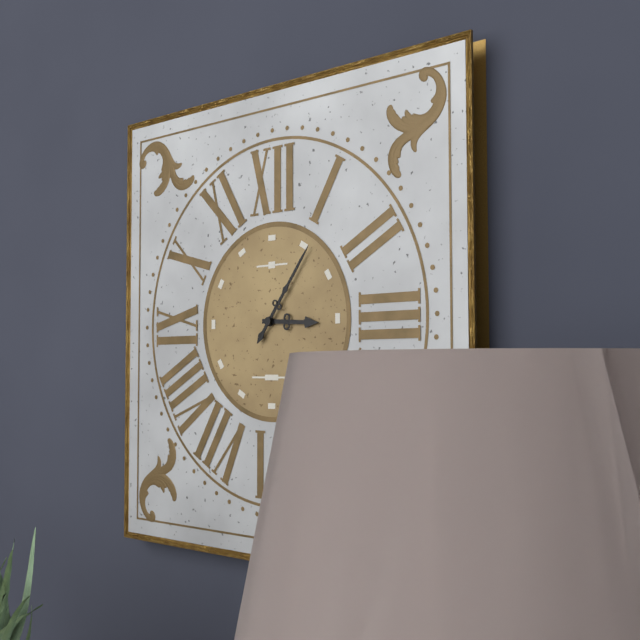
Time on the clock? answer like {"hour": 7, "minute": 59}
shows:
{"hour": 3, "minute": 6}
